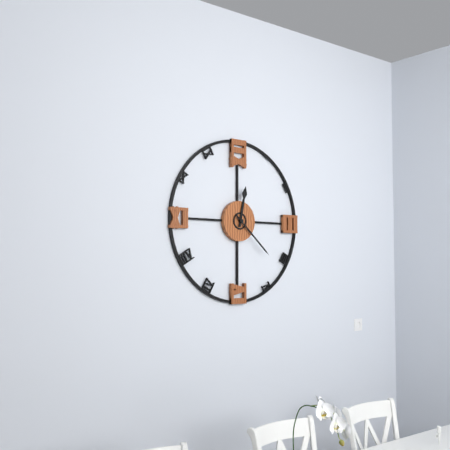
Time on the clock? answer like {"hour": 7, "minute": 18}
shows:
{"hour": 12, "minute": 22}
